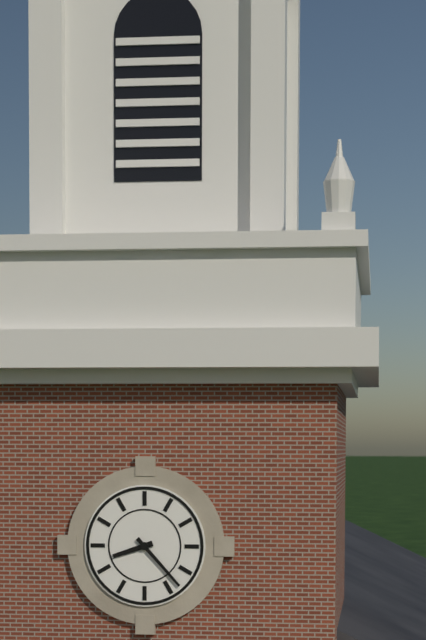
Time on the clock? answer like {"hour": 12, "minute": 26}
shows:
{"hour": 8, "minute": 23}
